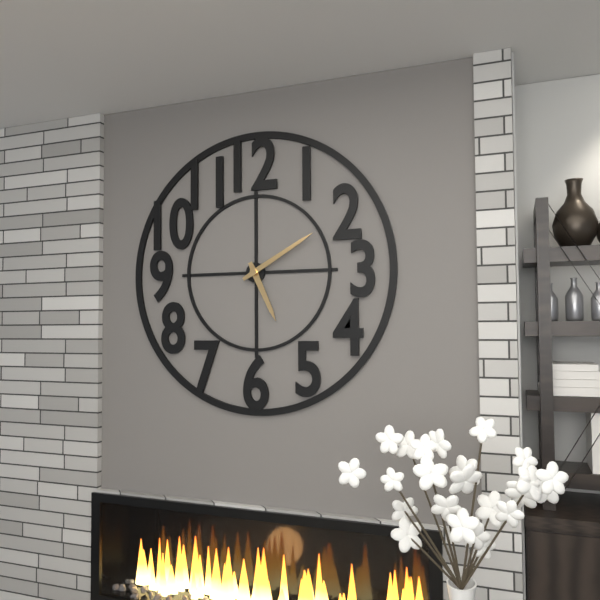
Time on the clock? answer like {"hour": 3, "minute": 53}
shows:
{"hour": 5, "minute": 10}
